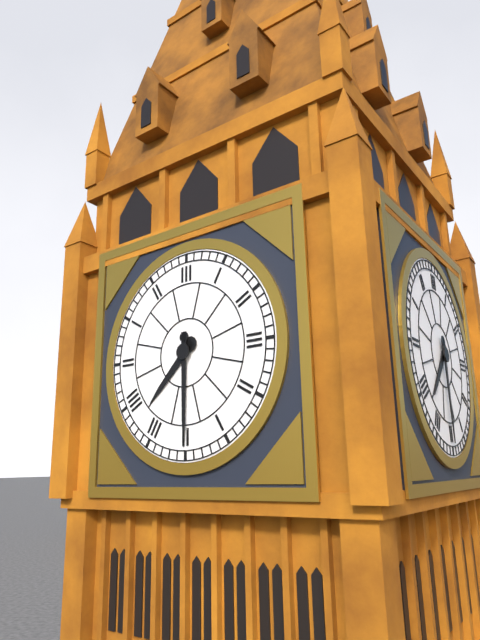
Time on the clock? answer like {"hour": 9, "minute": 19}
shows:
{"hour": 7, "minute": 30}
